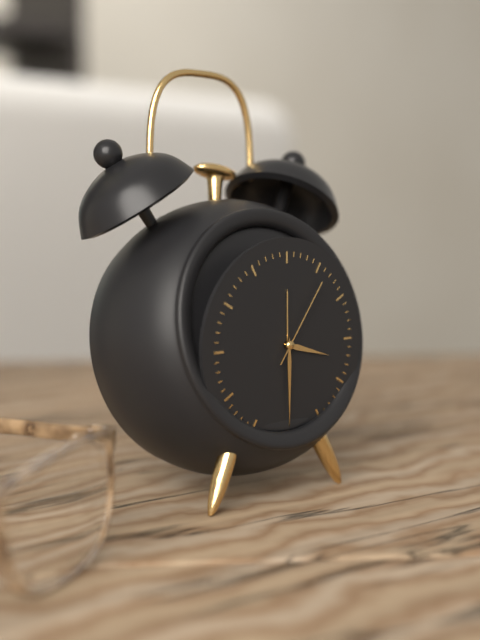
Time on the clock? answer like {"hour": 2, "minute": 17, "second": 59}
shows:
{"hour": 3, "minute": 30, "second": 6}
